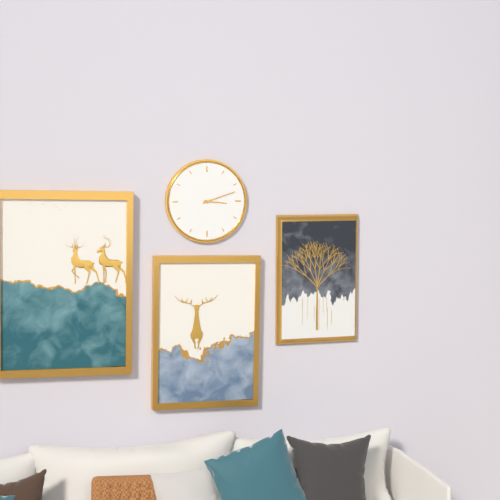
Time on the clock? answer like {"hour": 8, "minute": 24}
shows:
{"hour": 3, "minute": 12}
